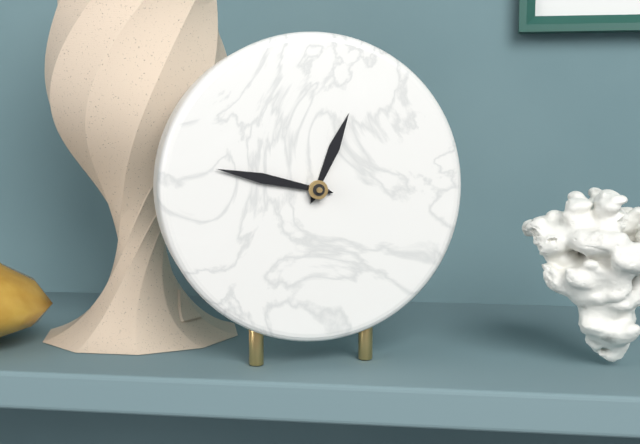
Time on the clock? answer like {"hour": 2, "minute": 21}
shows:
{"hour": 12, "minute": 47}
